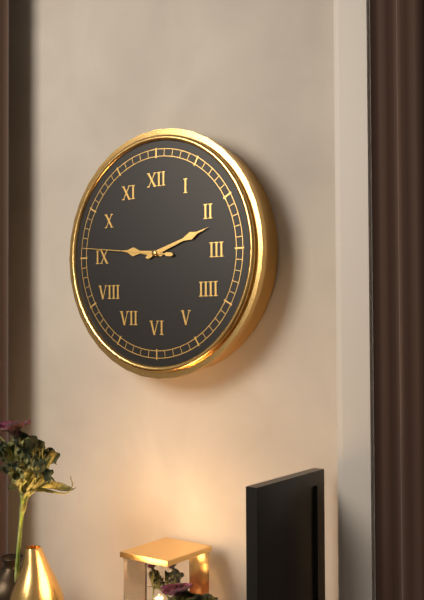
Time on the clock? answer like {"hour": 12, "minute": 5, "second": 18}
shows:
{"hour": 9, "minute": 12, "second": 46}
